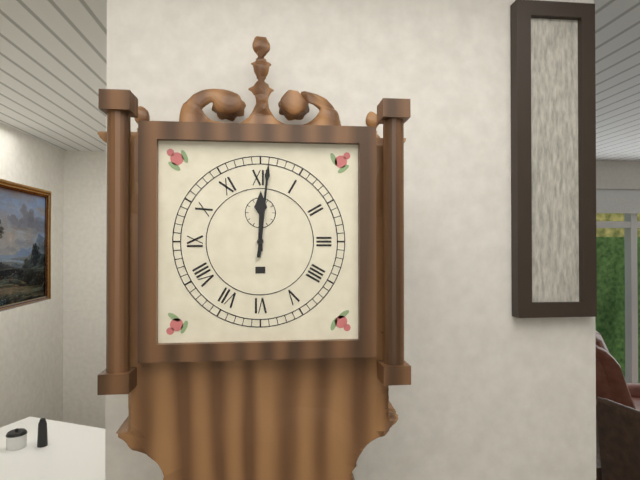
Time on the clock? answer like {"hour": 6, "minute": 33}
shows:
{"hour": 12, "minute": 1}
